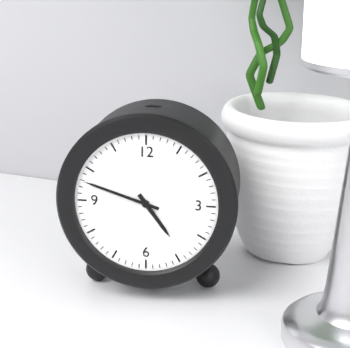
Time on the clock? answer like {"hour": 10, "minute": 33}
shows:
{"hour": 4, "minute": 48}
